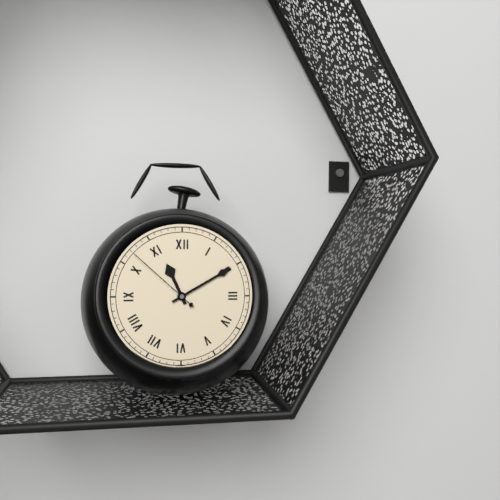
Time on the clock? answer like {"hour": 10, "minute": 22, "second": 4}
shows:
{"hour": 11, "minute": 10, "second": 52}
